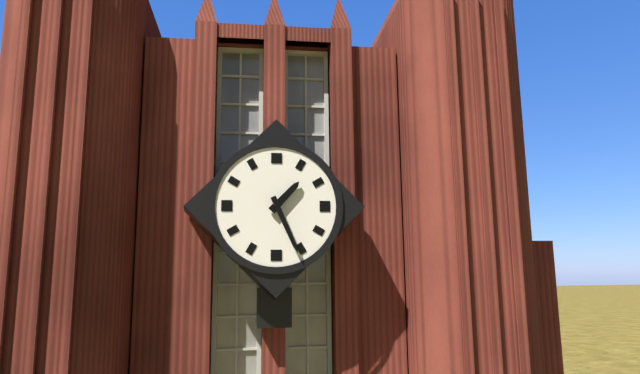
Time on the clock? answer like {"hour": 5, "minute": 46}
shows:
{"hour": 1, "minute": 26}
